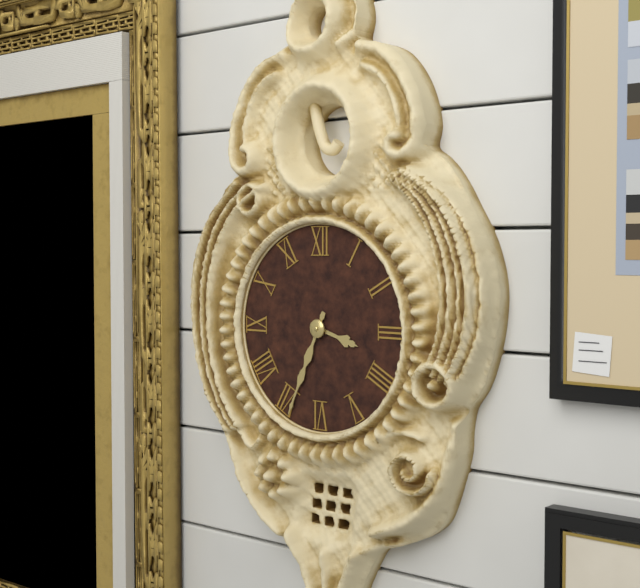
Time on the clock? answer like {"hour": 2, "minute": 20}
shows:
{"hour": 3, "minute": 34}
